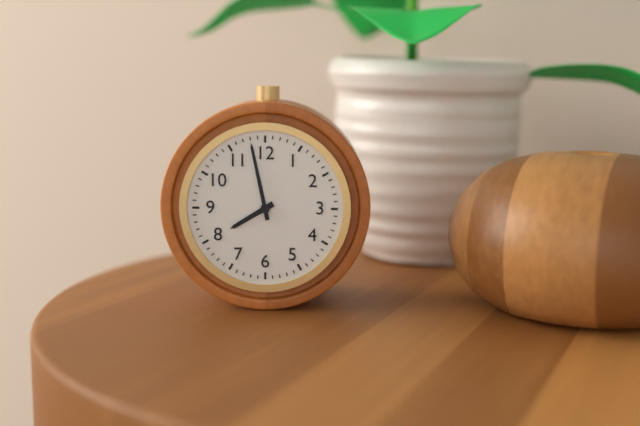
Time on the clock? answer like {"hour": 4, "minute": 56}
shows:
{"hour": 7, "minute": 58}
